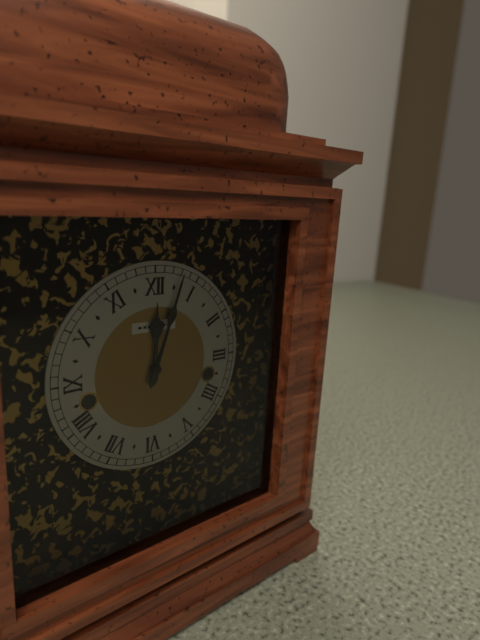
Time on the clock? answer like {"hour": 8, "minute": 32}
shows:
{"hour": 12, "minute": 3}
